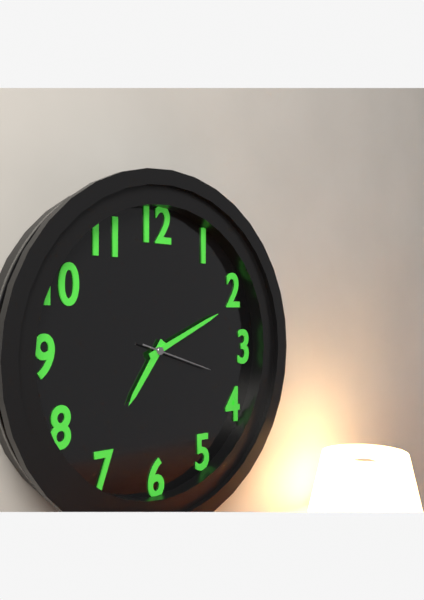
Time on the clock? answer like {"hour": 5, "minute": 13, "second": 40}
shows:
{"hour": 7, "minute": 11, "second": 18}
